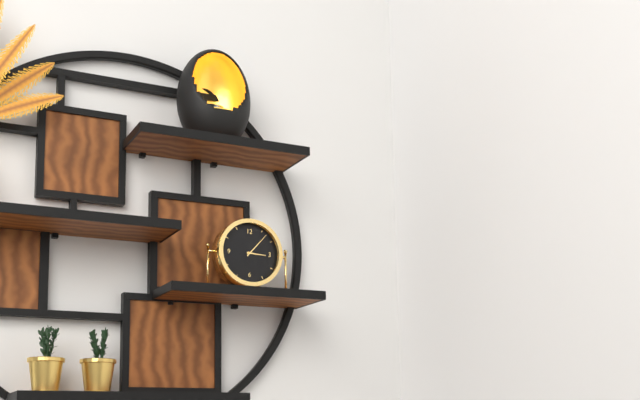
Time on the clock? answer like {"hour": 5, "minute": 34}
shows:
{"hour": 3, "minute": 7}
